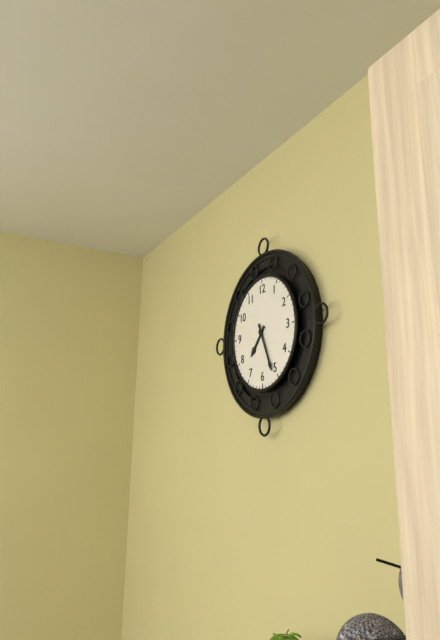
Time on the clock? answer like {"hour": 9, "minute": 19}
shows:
{"hour": 7, "minute": 26}
